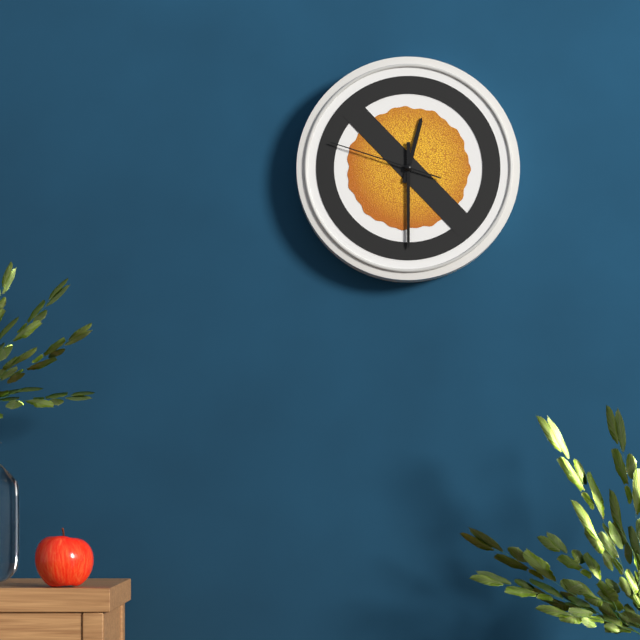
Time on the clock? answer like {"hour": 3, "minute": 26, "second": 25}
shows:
{"hour": 12, "minute": 30, "second": 48}
